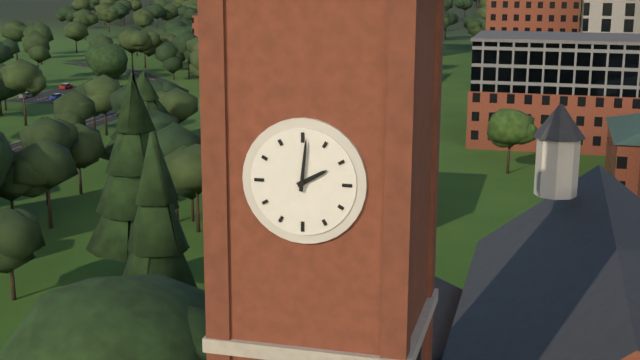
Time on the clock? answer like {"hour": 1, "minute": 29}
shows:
{"hour": 2, "minute": 1}
